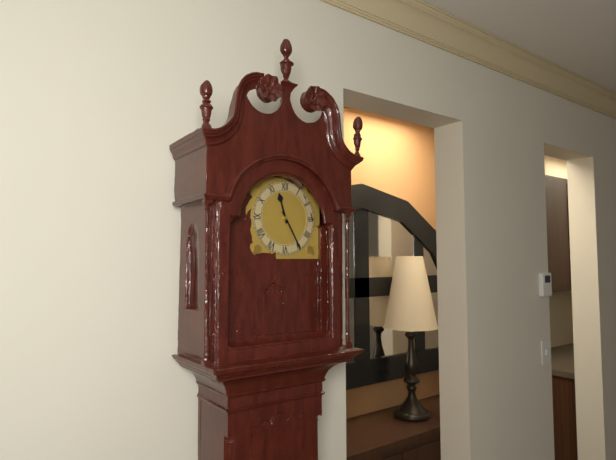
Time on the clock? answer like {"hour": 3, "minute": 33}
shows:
{"hour": 11, "minute": 25}
